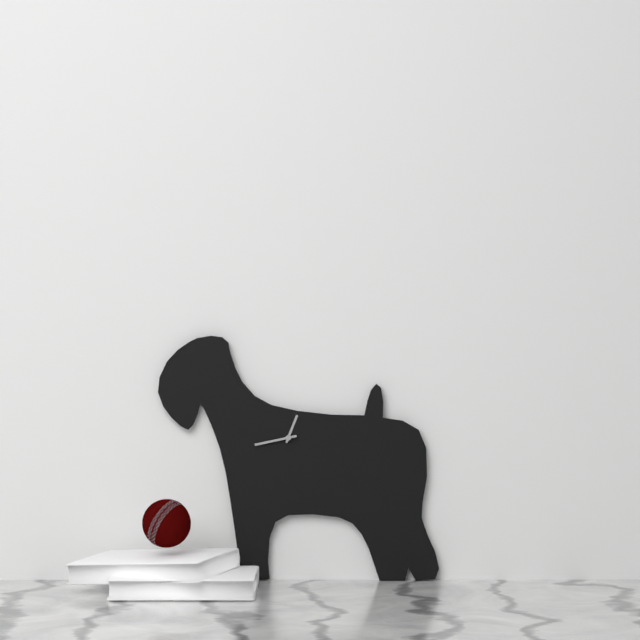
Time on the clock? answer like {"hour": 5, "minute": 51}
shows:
{"hour": 12, "minute": 43}
